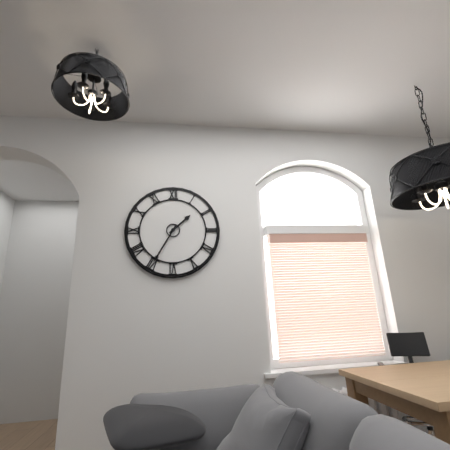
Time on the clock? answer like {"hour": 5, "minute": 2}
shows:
{"hour": 1, "minute": 35}
